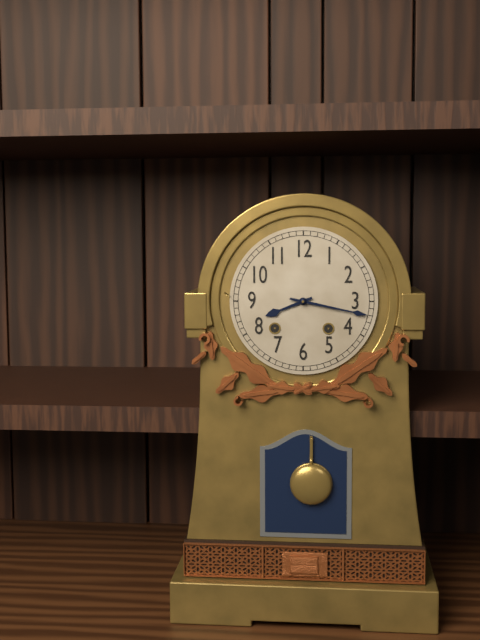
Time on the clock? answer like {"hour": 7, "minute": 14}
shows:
{"hour": 8, "minute": 17}
